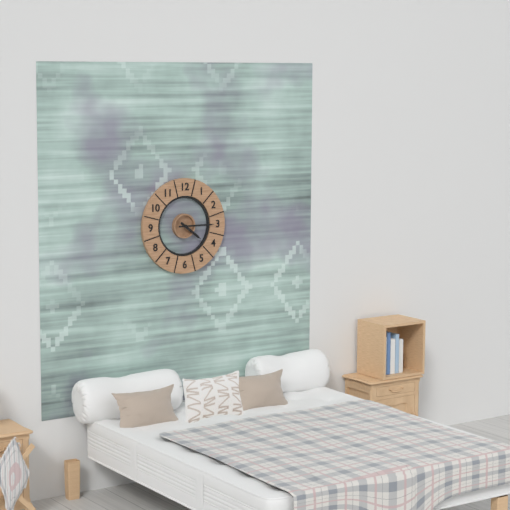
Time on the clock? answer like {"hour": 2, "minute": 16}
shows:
{"hour": 4, "minute": 15}
